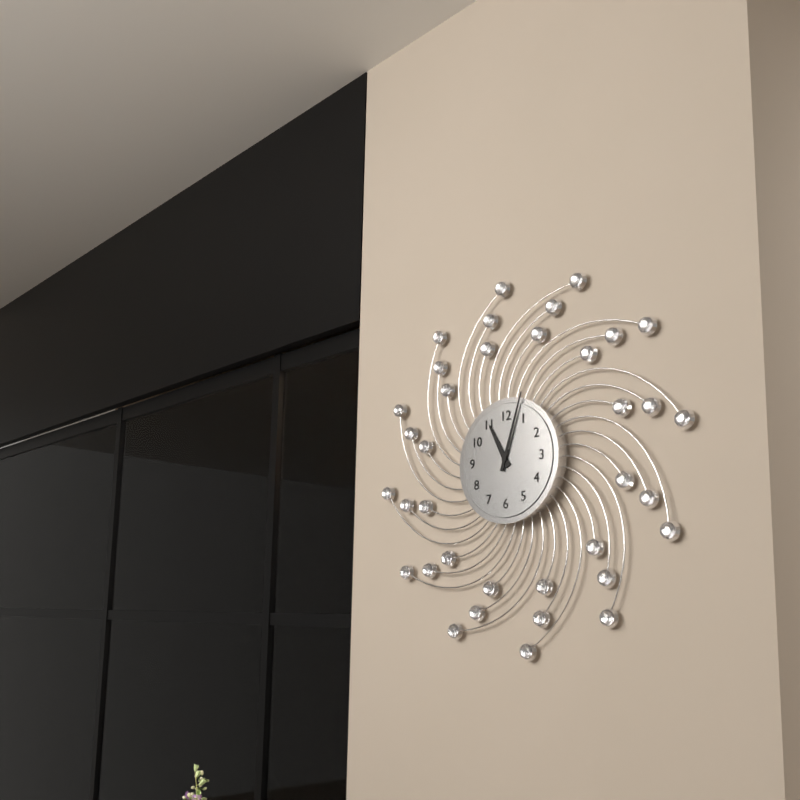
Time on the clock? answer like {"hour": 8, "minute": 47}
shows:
{"hour": 11, "minute": 3}
